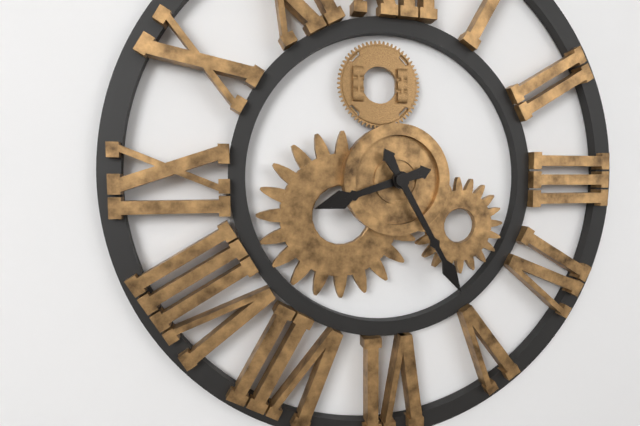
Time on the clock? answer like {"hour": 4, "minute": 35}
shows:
{"hour": 8, "minute": 25}
